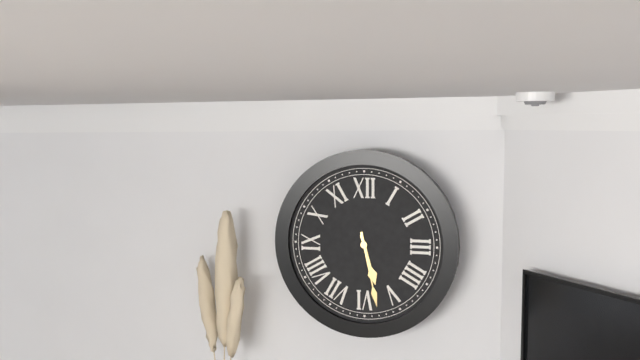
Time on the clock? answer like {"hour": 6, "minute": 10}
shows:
{"hour": 5, "minute": 28}
